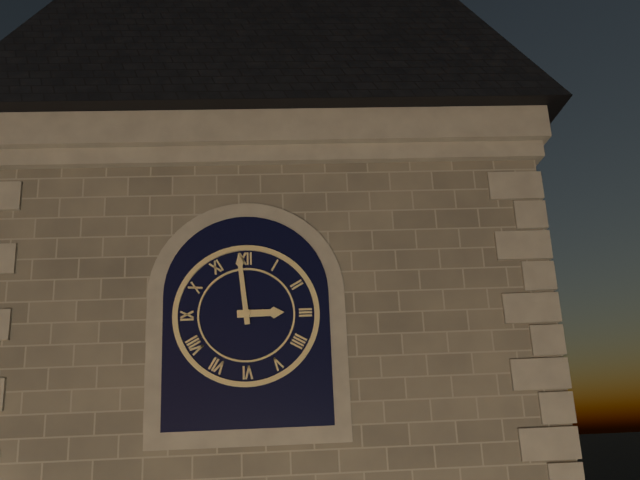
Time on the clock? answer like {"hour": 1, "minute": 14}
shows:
{"hour": 2, "minute": 59}
